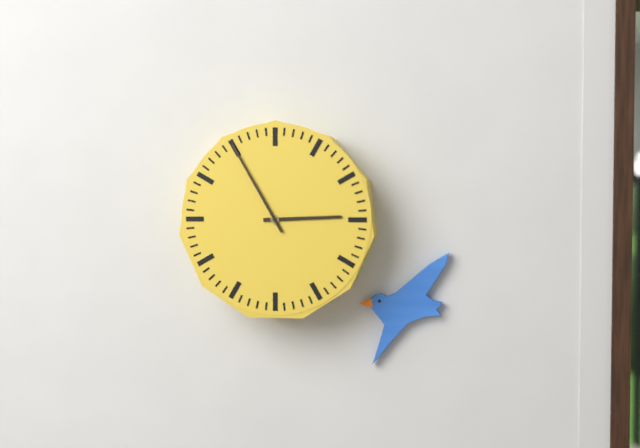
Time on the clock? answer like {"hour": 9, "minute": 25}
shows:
{"hour": 2, "minute": 55}
